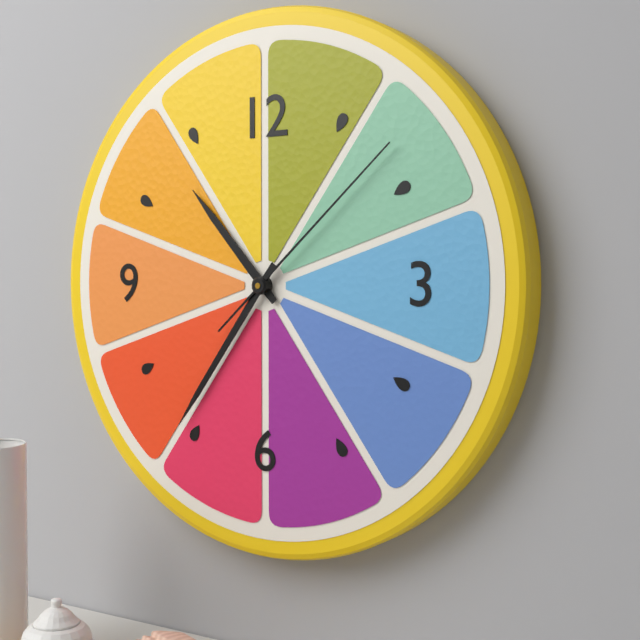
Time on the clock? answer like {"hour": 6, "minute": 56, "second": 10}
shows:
{"hour": 10, "minute": 36, "second": 8}
